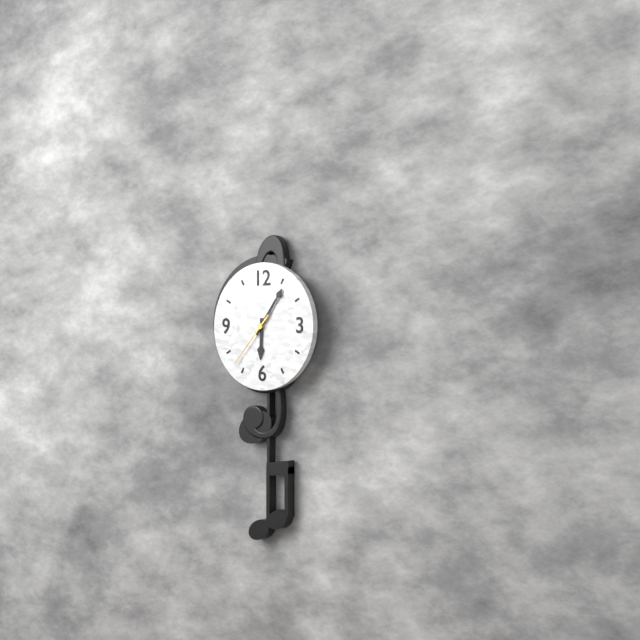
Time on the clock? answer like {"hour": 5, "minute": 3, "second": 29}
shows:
{"hour": 6, "minute": 6, "second": 37}
